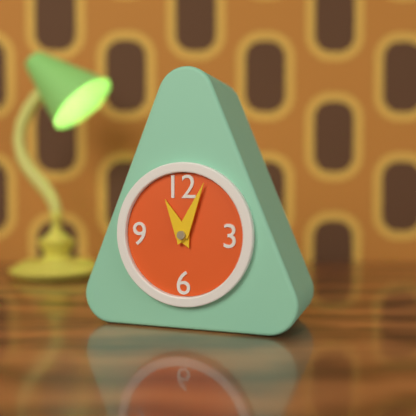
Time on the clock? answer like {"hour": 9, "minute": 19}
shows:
{"hour": 11, "minute": 4}
